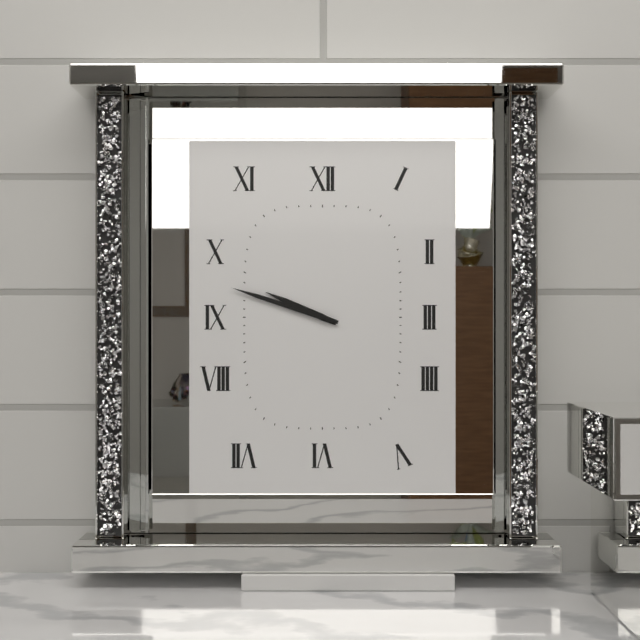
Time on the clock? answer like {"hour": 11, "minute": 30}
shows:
{"hour": 9, "minute": 48}
